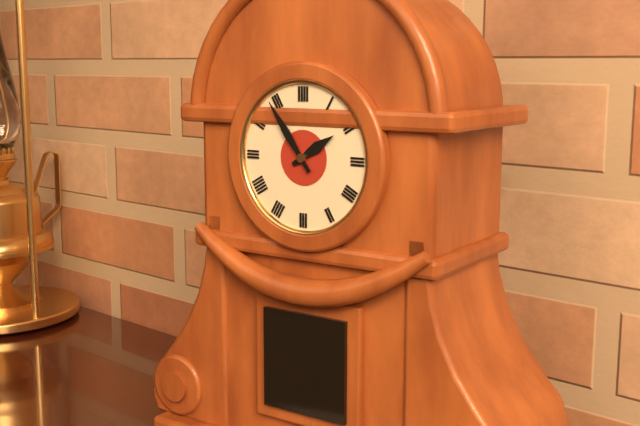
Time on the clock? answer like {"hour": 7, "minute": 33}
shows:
{"hour": 1, "minute": 54}
